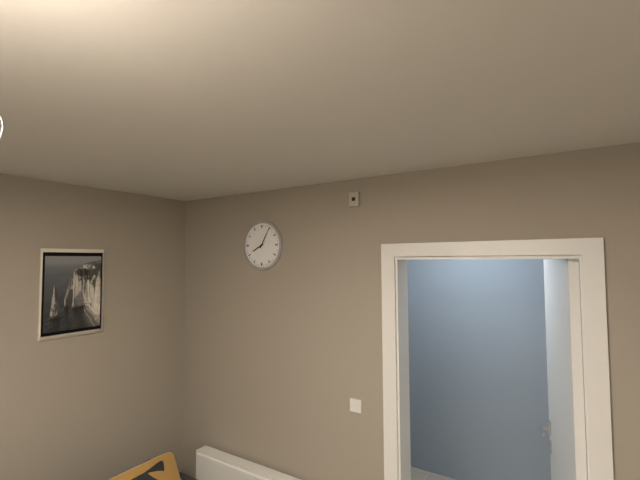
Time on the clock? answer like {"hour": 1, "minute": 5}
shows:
{"hour": 8, "minute": 5}
